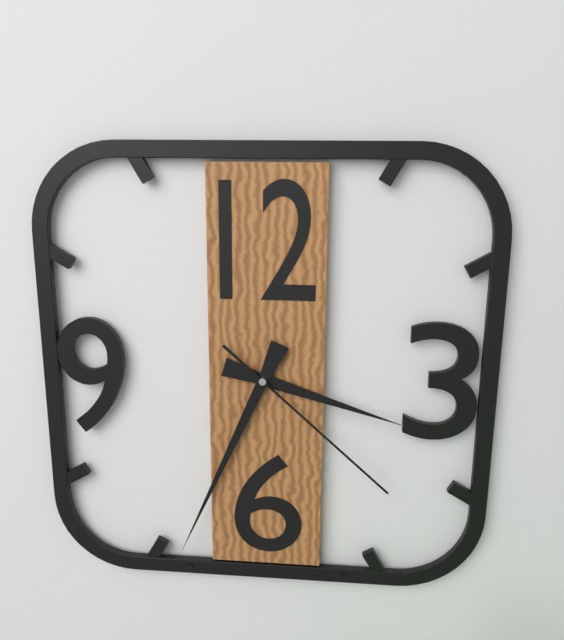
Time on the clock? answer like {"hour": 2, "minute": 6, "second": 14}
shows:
{"hour": 3, "minute": 34, "second": 22}
